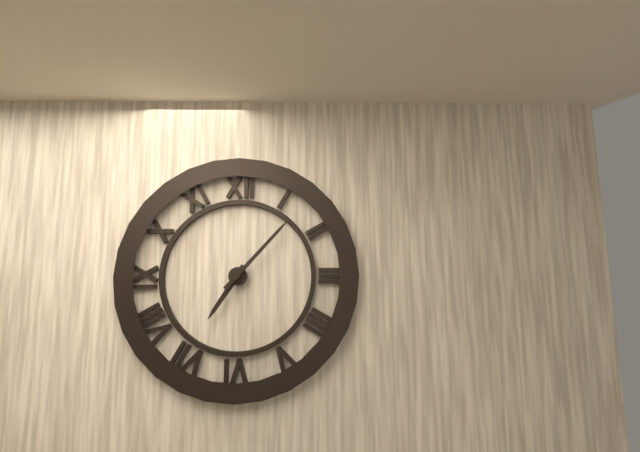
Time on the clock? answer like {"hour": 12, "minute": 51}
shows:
{"hour": 7, "minute": 7}
